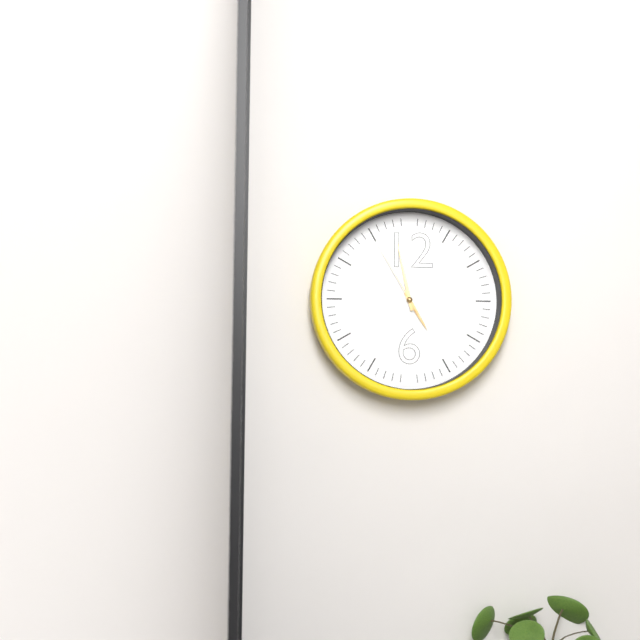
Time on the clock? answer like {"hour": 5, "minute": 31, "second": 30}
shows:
{"hour": 4, "minute": 58, "second": 55}
